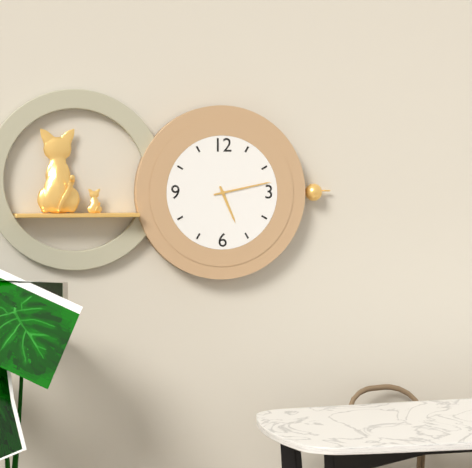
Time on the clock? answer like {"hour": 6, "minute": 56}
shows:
{"hour": 5, "minute": 13}
